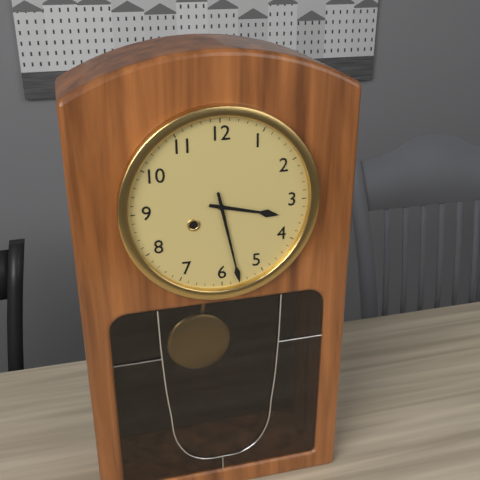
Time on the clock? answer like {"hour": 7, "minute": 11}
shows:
{"hour": 3, "minute": 28}
